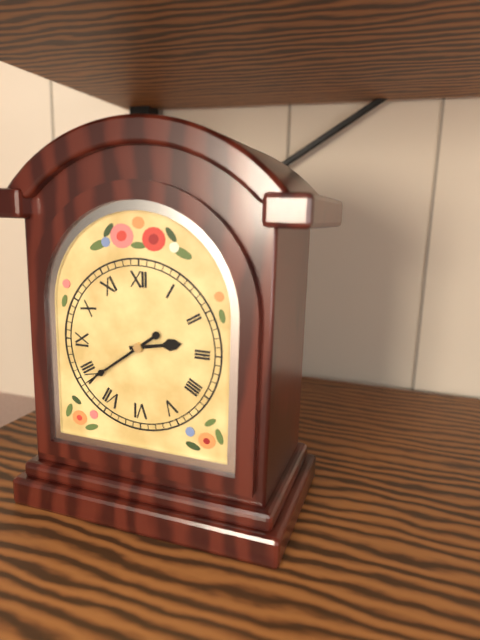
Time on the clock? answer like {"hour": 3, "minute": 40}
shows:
{"hour": 2, "minute": 39}
